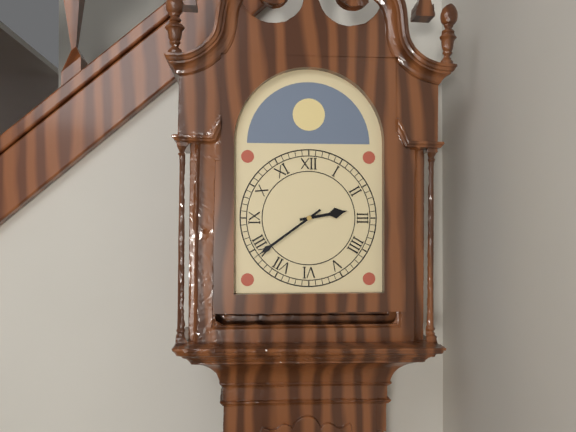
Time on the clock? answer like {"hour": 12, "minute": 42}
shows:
{"hour": 2, "minute": 39}
